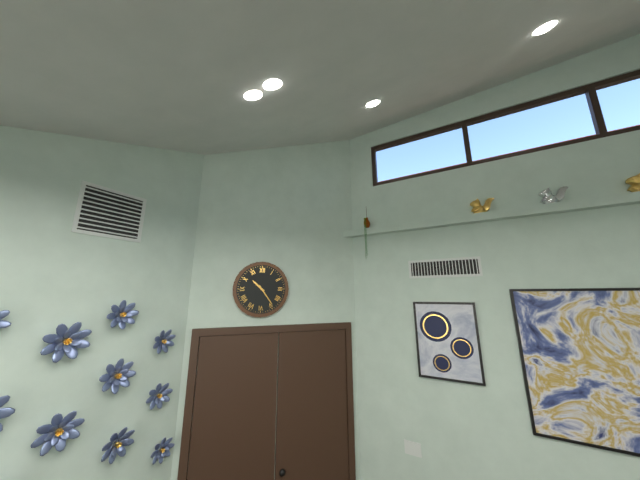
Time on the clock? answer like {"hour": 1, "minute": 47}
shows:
{"hour": 10, "minute": 24}
